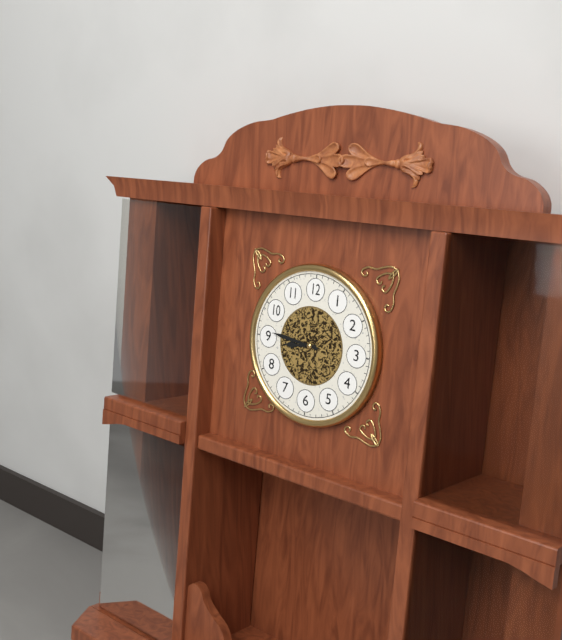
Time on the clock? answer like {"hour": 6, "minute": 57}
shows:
{"hour": 8, "minute": 46}
